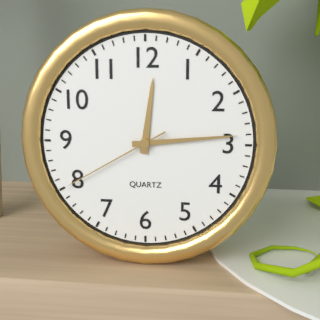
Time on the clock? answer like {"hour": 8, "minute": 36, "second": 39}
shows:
{"hour": 12, "minute": 14, "second": 40}
